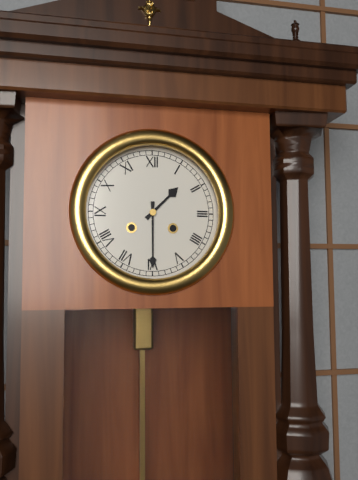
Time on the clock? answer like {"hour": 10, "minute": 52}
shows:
{"hour": 1, "minute": 30}
